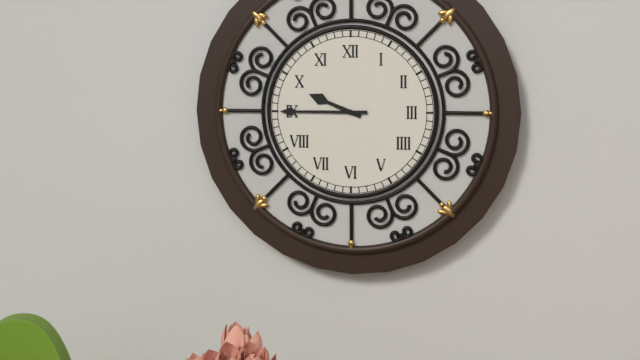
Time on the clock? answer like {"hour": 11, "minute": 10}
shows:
{"hour": 9, "minute": 45}
